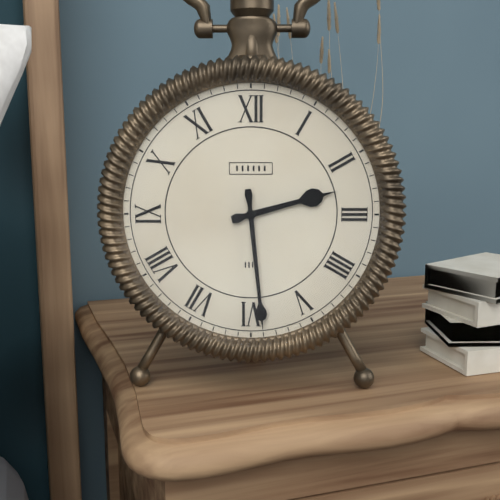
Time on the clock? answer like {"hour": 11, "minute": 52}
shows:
{"hour": 2, "minute": 29}
